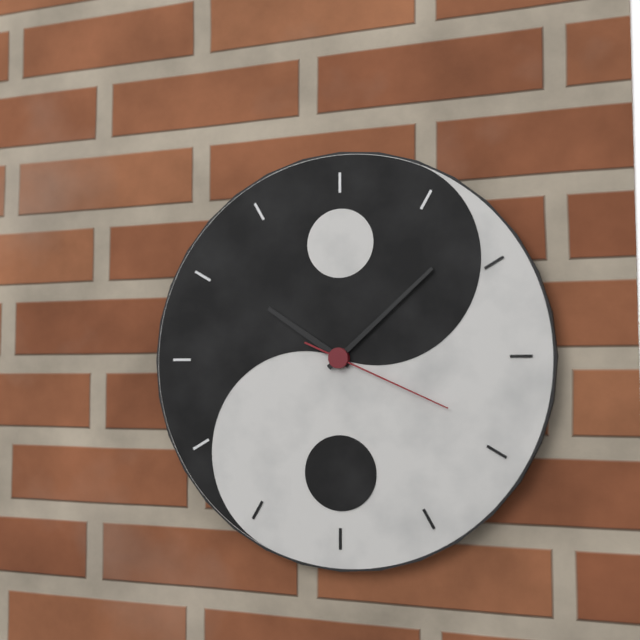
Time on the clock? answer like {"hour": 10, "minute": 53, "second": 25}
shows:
{"hour": 10, "minute": 8, "second": 19}
